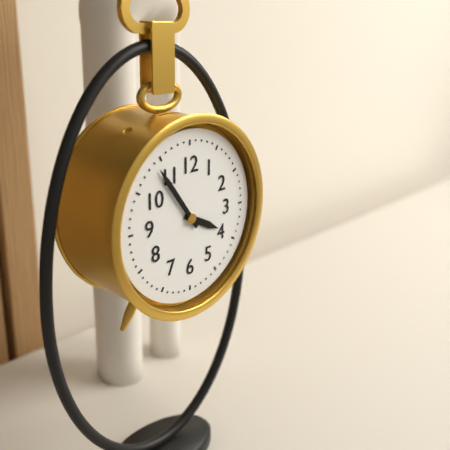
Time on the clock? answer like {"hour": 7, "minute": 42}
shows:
{"hour": 3, "minute": 54}
